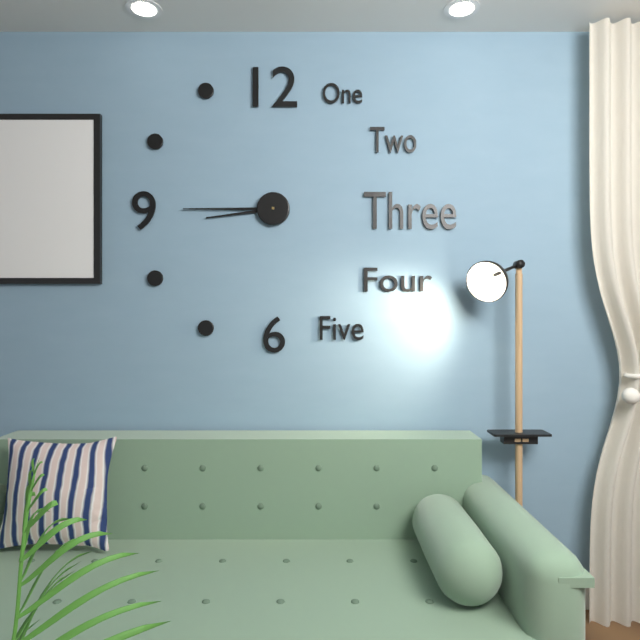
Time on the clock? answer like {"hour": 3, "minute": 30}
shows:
{"hour": 8, "minute": 45}
